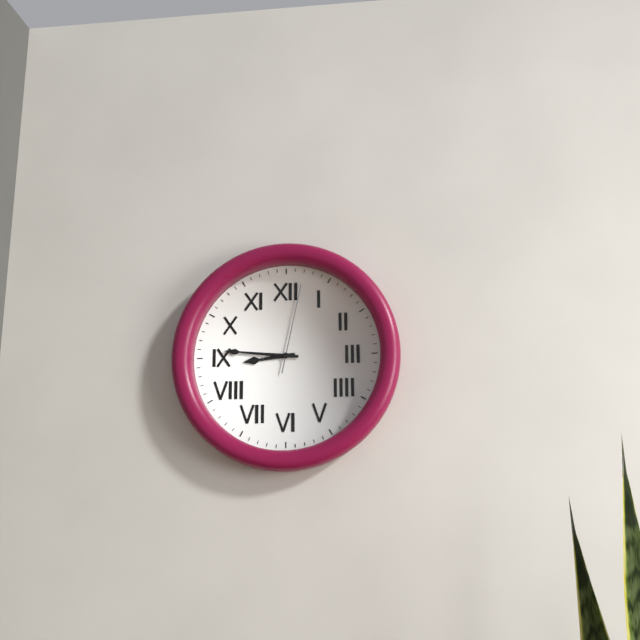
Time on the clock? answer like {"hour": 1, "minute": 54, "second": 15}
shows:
{"hour": 8, "minute": 46, "second": 2}
